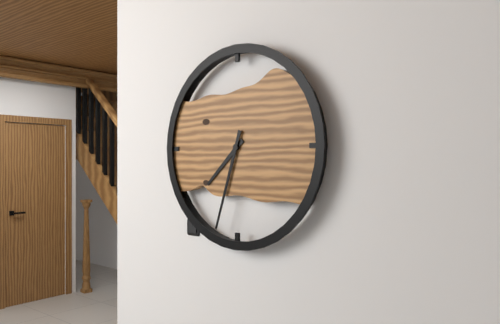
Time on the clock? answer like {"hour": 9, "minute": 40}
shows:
{"hour": 7, "minute": 33}
